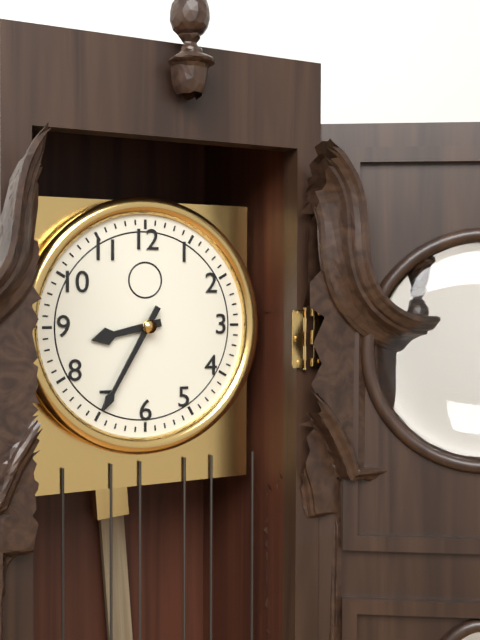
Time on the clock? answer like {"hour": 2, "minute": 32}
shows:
{"hour": 8, "minute": 35}
